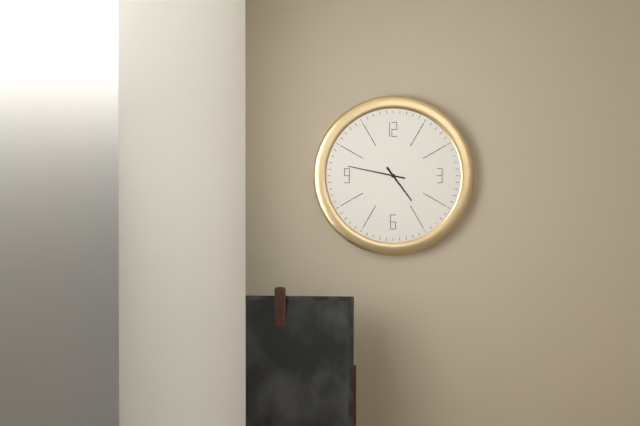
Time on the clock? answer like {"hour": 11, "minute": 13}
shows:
{"hour": 4, "minute": 47}
